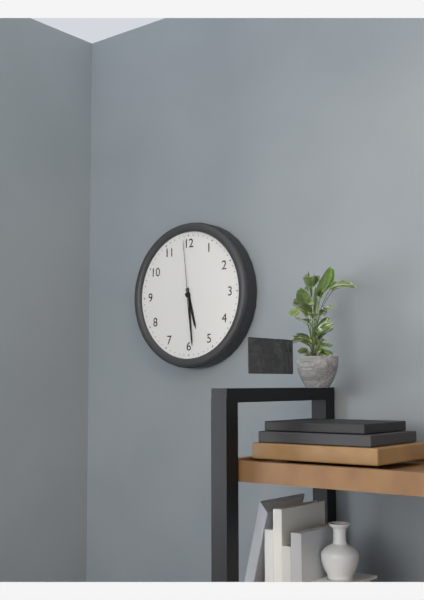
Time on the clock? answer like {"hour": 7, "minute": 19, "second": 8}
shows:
{"hour": 5, "minute": 29, "second": 59}
